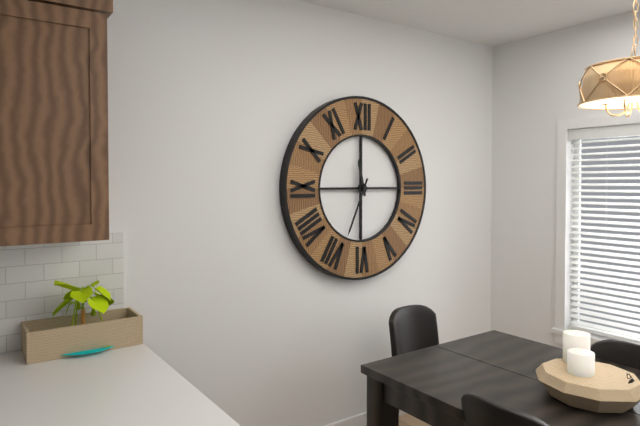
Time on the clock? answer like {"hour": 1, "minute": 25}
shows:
{"hour": 11, "minute": 34}
